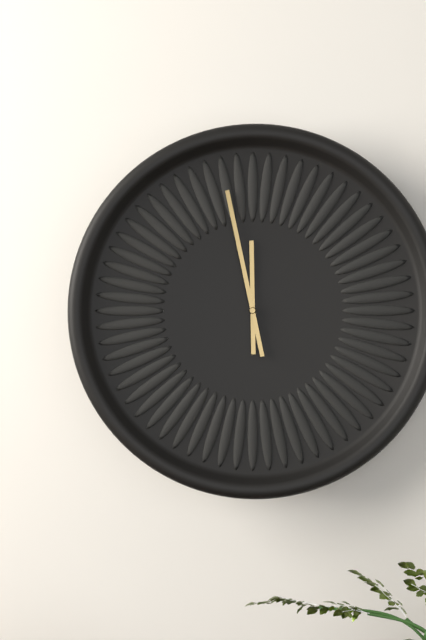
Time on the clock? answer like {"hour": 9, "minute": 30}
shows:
{"hour": 11, "minute": 58}
